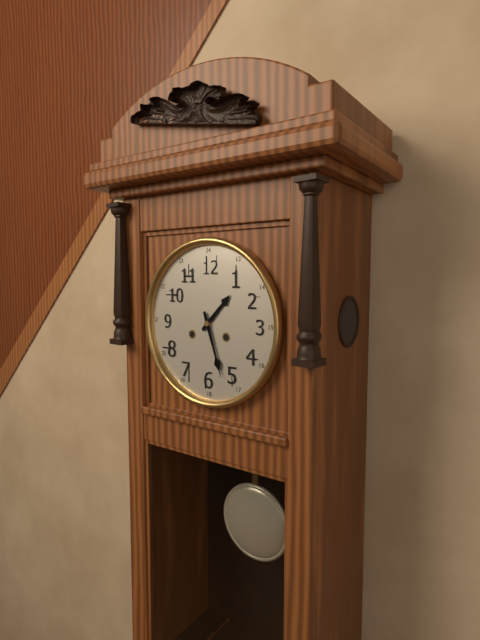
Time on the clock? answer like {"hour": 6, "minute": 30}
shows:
{"hour": 1, "minute": 27}
